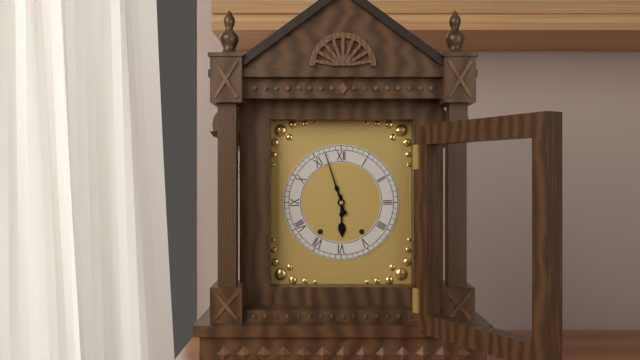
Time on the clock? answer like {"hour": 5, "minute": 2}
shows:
{"hour": 5, "minute": 57}
